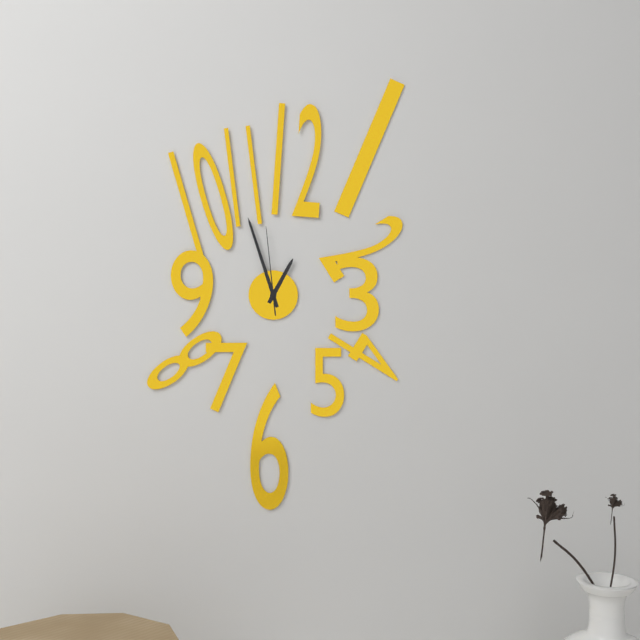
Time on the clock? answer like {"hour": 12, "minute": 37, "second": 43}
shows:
{"hour": 12, "minute": 57, "second": 59}
